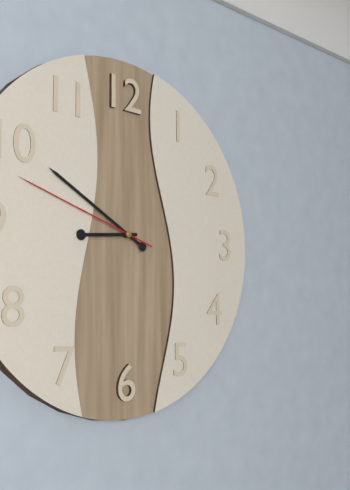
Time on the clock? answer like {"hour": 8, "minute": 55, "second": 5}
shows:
{"hour": 8, "minute": 50, "second": 48}
